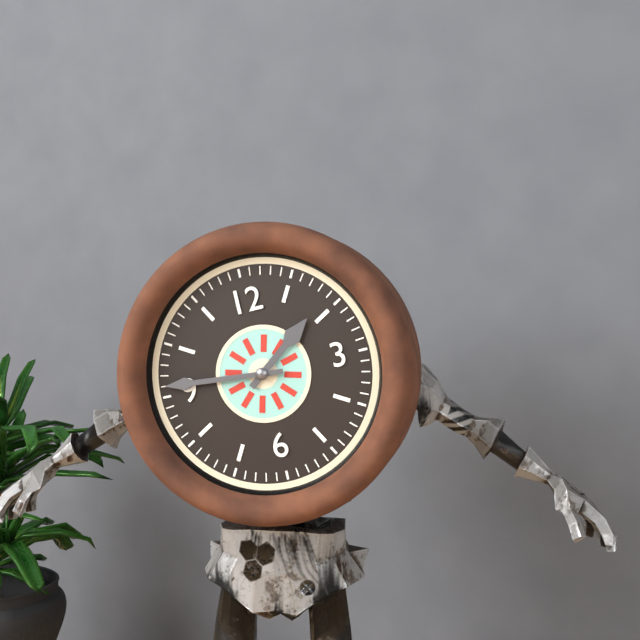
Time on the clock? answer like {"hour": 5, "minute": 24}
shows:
{"hour": 1, "minute": 46}
